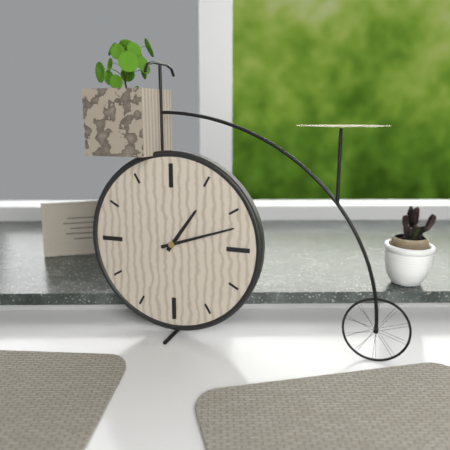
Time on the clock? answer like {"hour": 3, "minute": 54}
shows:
{"hour": 1, "minute": 12}
